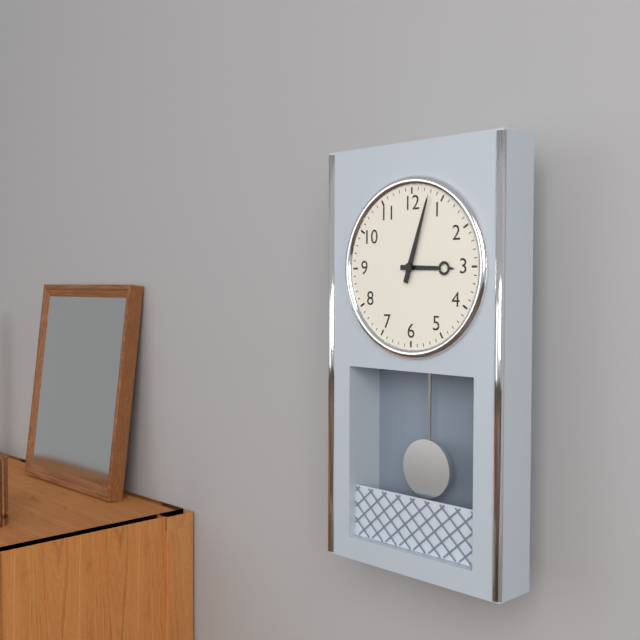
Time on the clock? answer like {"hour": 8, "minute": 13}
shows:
{"hour": 3, "minute": 3}
